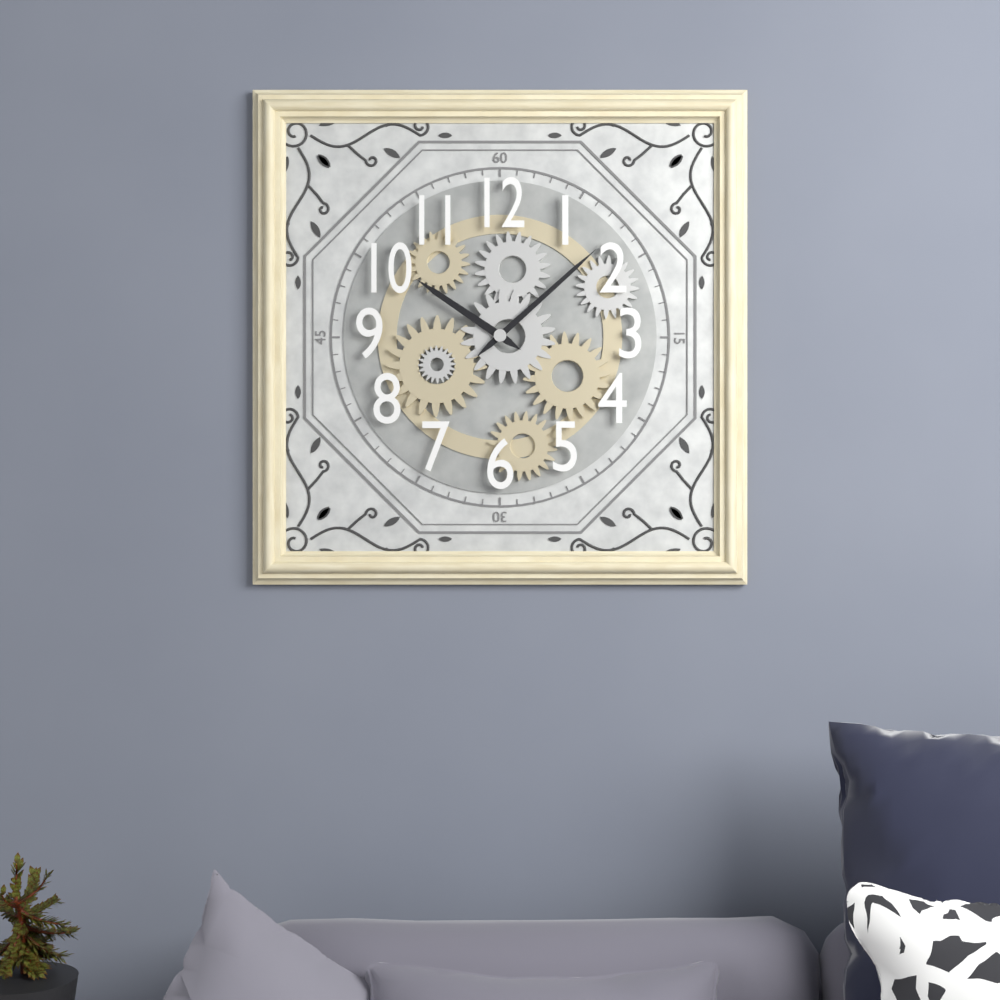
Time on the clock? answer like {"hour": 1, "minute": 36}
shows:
{"hour": 10, "minute": 8}
